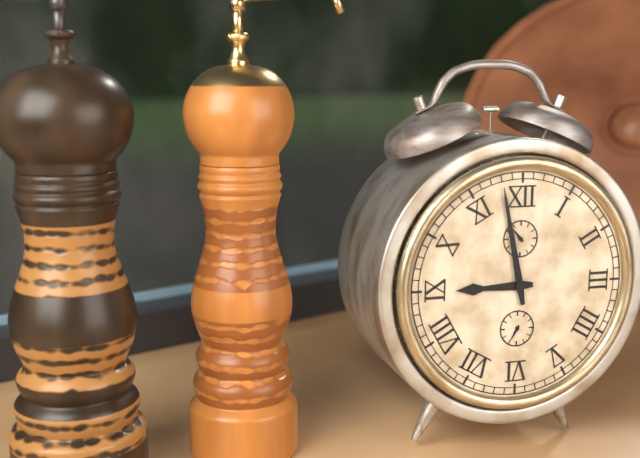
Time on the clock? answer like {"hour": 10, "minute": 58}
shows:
{"hour": 8, "minute": 58}
